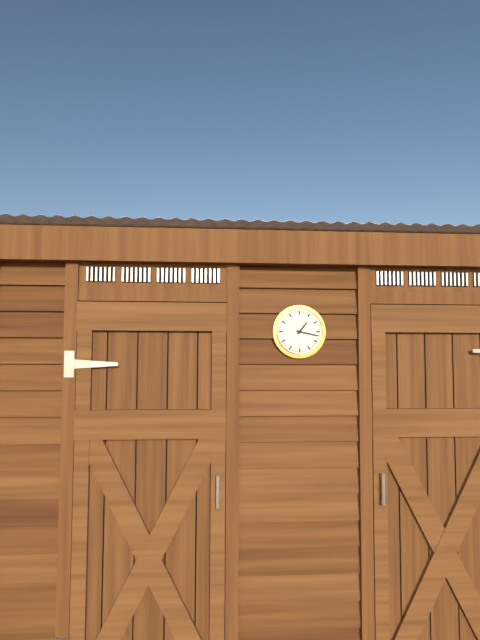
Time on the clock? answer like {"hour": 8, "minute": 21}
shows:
{"hour": 1, "minute": 17}
